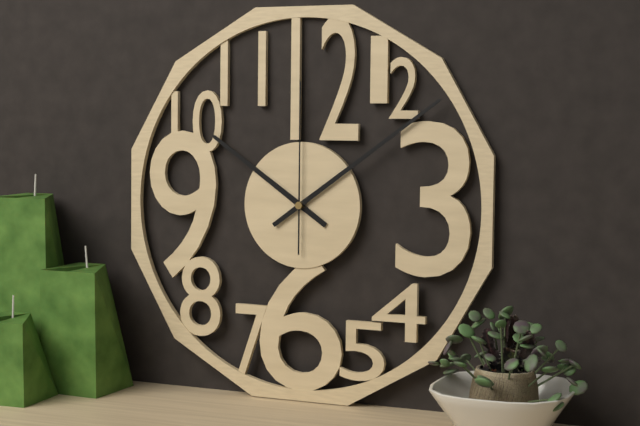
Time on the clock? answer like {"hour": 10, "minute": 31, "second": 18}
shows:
{"hour": 10, "minute": 9, "second": 0}
